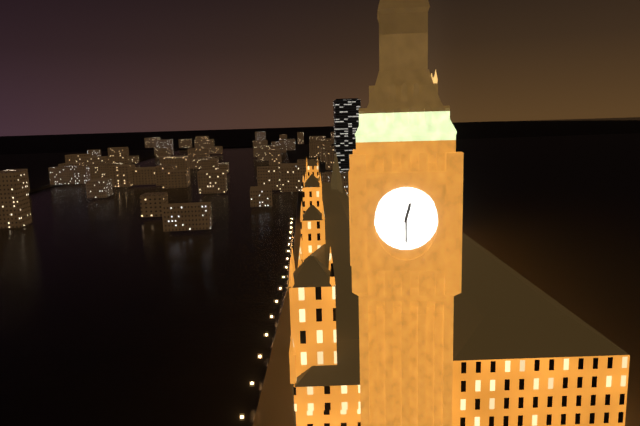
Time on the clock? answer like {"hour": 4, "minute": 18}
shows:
{"hour": 12, "minute": 30}
